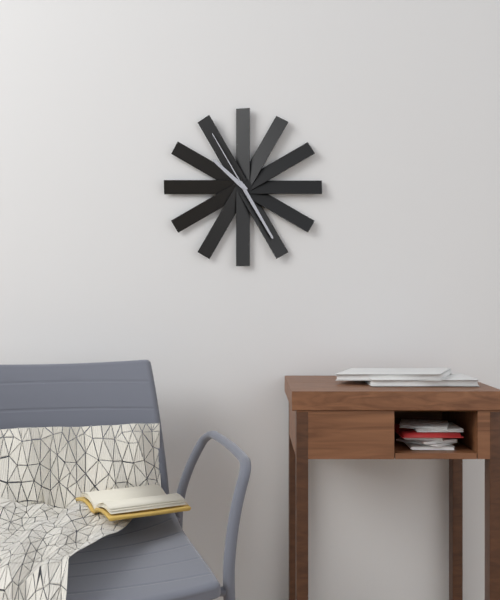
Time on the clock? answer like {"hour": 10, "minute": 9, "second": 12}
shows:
{"hour": 10, "minute": 25, "second": 55}
